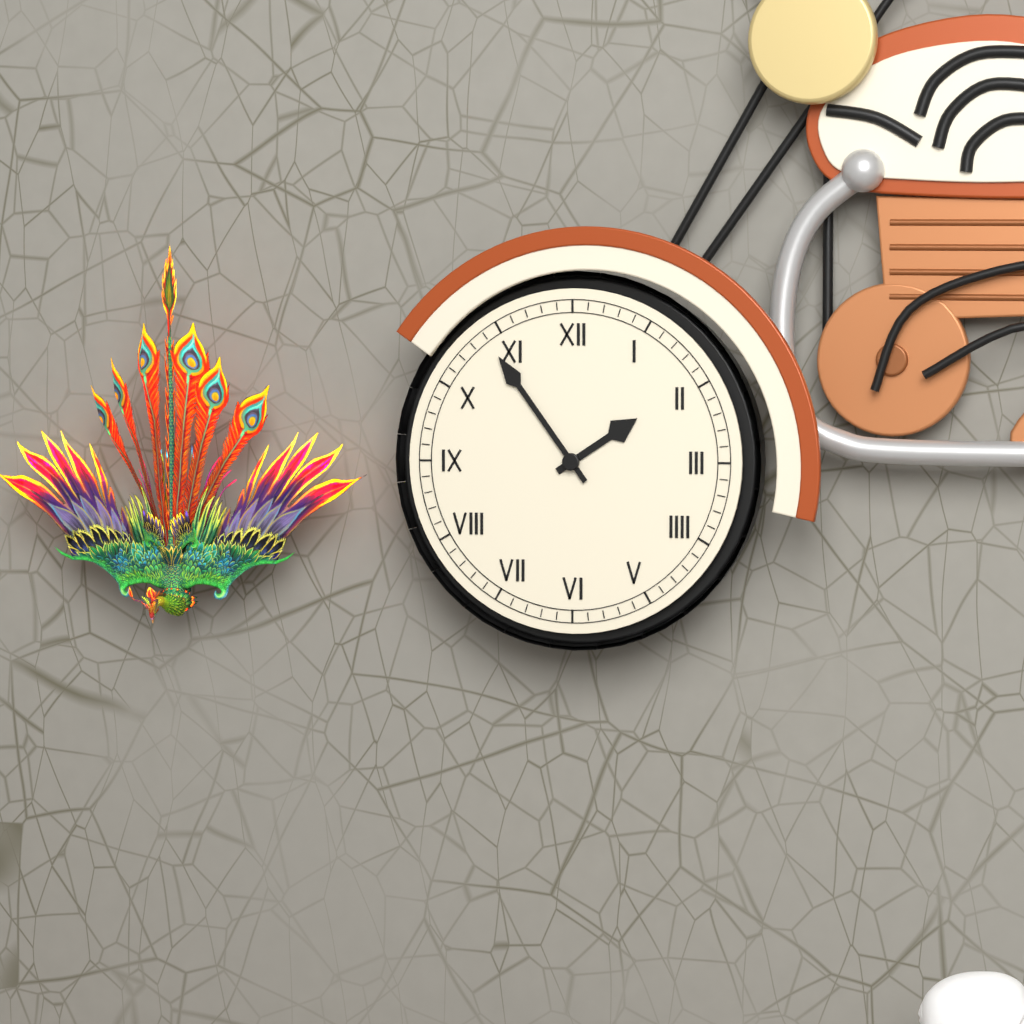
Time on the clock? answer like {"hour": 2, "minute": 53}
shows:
{"hour": 1, "minute": 54}
